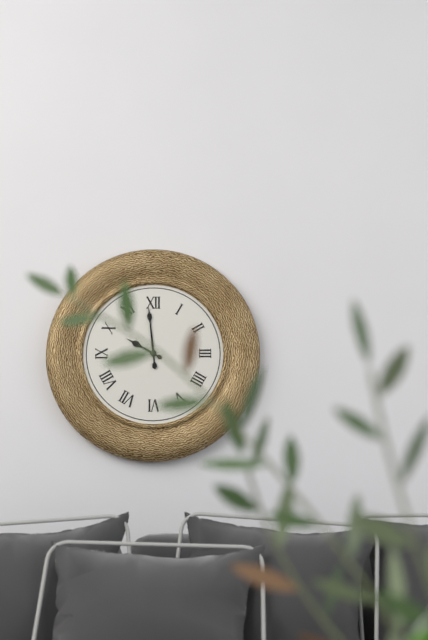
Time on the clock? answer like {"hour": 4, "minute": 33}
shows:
{"hour": 9, "minute": 59}
